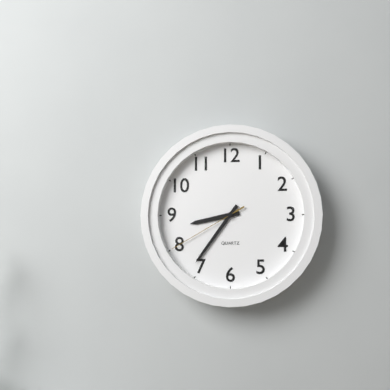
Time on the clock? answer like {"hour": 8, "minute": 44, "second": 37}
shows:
{"hour": 8, "minute": 36, "second": 40}
